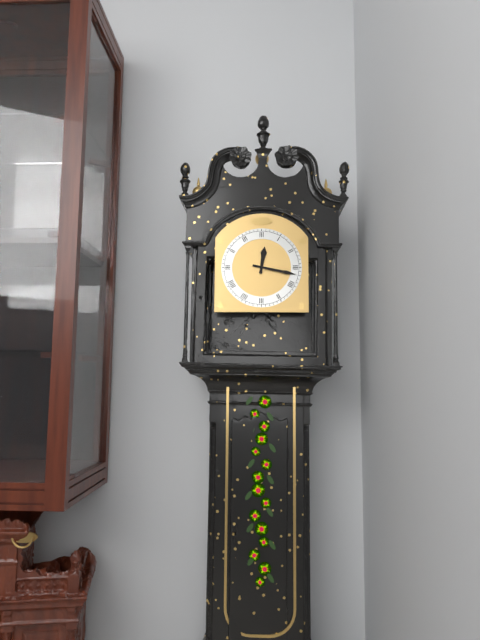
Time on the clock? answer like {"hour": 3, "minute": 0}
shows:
{"hour": 12, "minute": 17}
